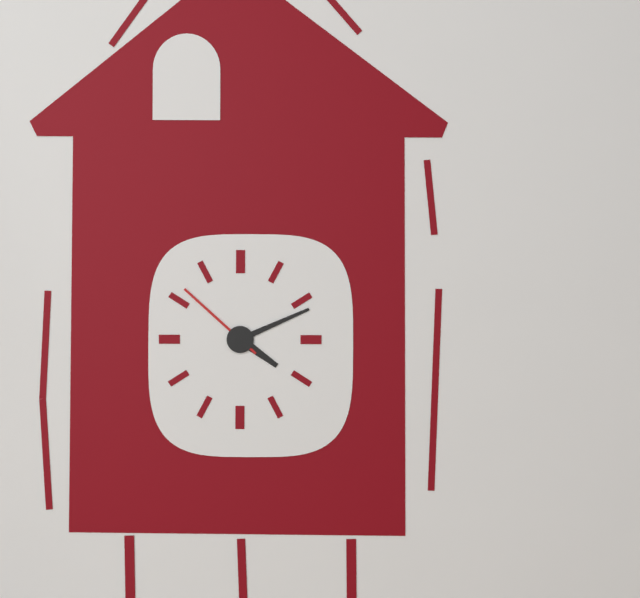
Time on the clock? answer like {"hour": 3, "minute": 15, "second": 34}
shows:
{"hour": 4, "minute": 11, "second": 52}
